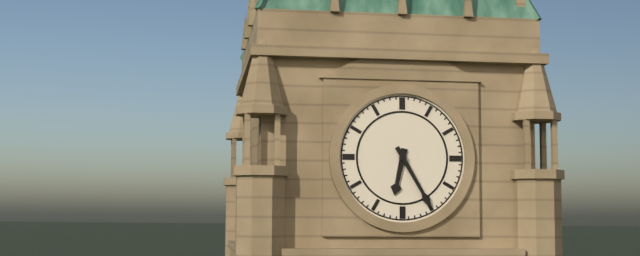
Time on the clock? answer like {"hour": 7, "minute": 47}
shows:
{"hour": 6, "minute": 25}
